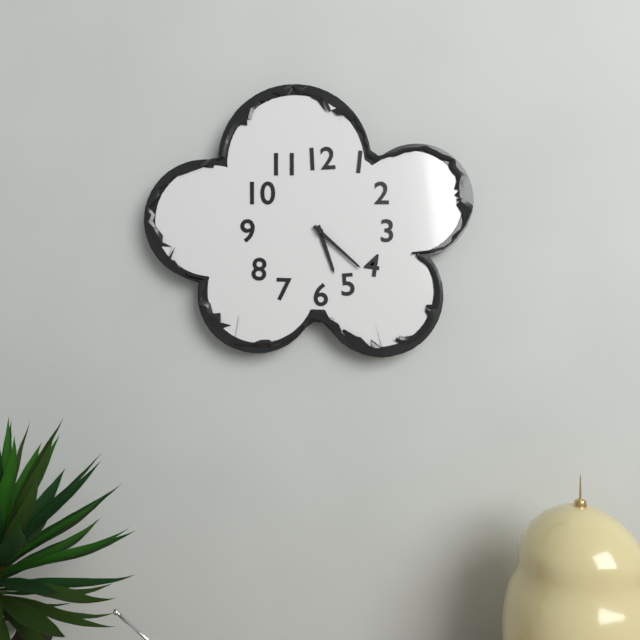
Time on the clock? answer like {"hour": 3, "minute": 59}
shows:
{"hour": 5, "minute": 22}
